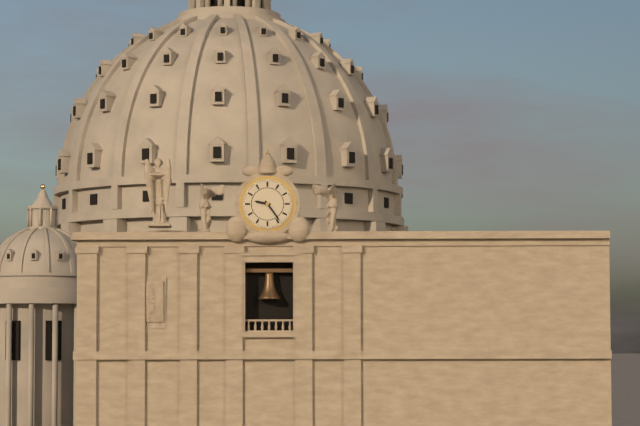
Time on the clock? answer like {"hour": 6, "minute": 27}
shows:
{"hour": 9, "minute": 24}
